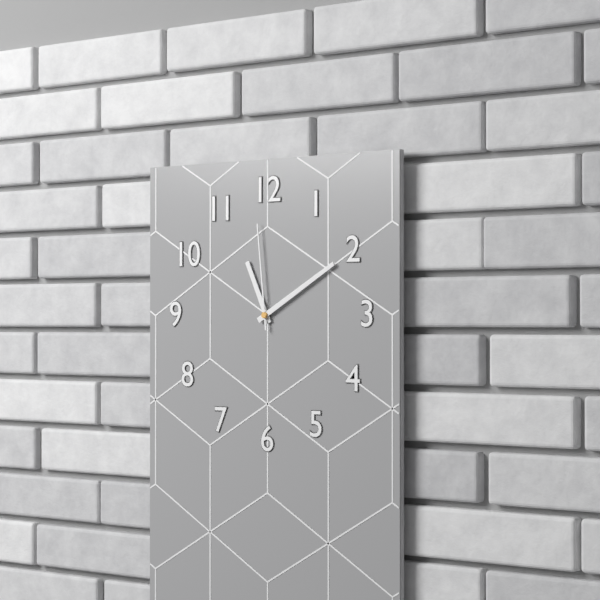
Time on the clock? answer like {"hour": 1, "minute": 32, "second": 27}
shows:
{"hour": 11, "minute": 10, "second": 59}
